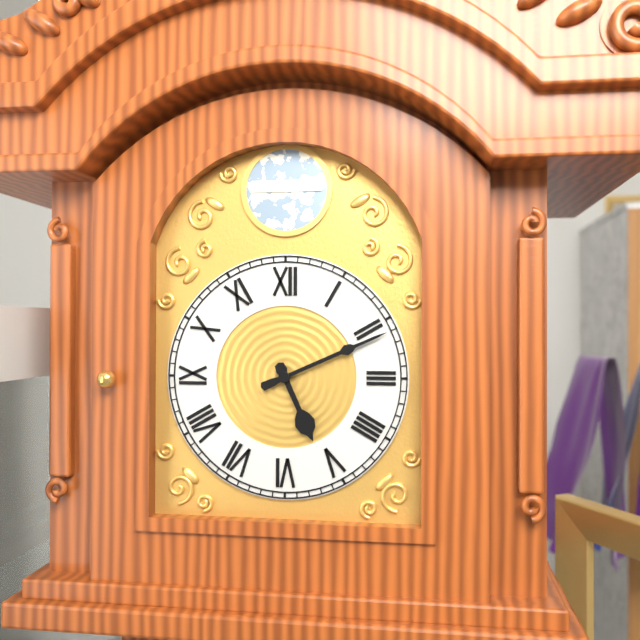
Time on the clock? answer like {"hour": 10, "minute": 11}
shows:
{"hour": 5, "minute": 11}
